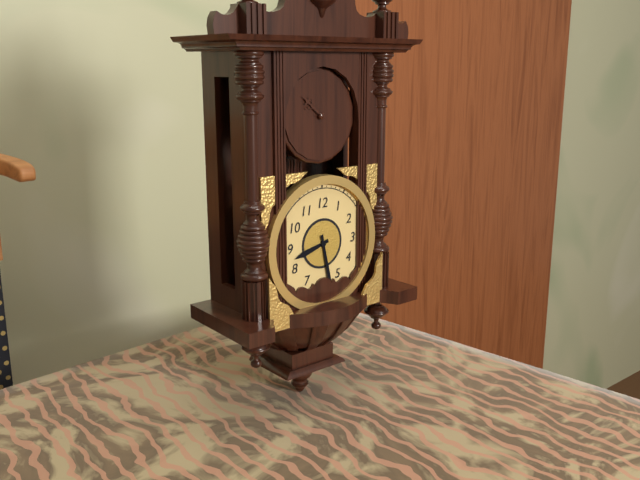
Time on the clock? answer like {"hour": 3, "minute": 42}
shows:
{"hour": 8, "minute": 28}
